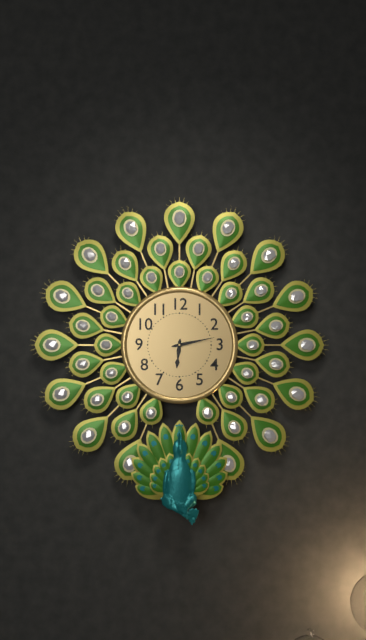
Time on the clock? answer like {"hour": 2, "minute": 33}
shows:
{"hour": 6, "minute": 13}
